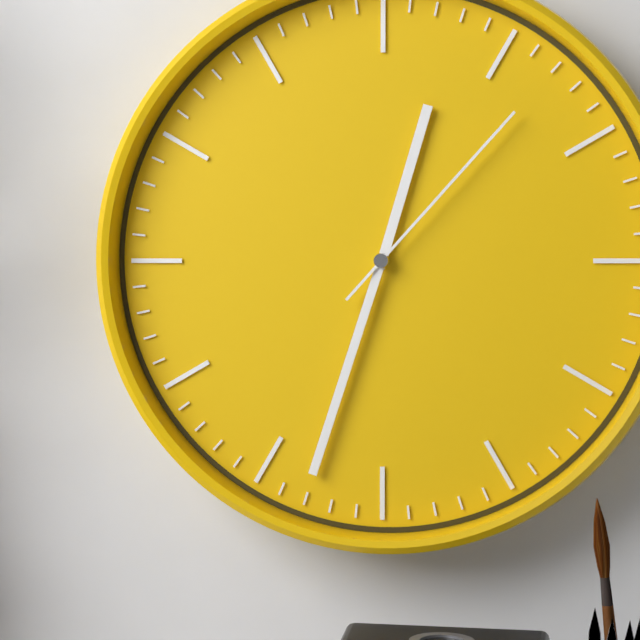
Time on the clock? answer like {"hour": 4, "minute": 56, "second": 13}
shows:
{"hour": 12, "minute": 33, "second": 7}
